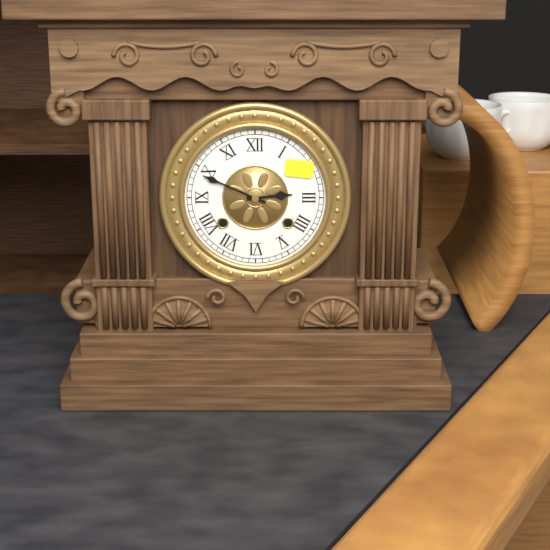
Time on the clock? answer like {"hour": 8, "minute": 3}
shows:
{"hour": 2, "minute": 49}
